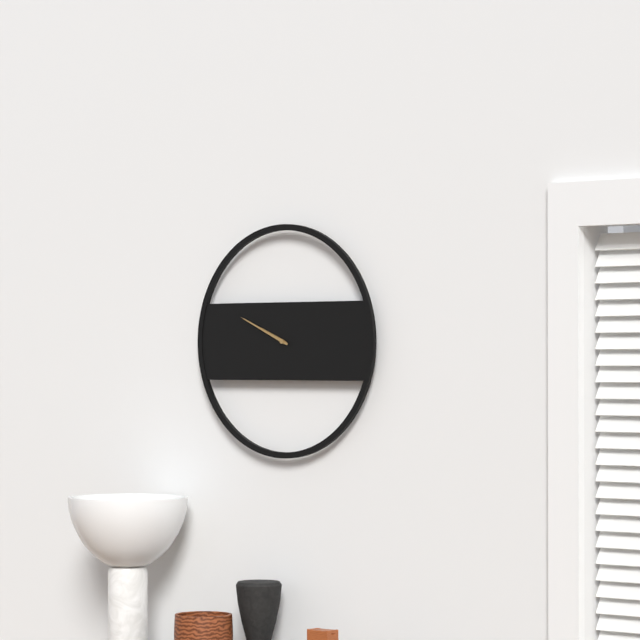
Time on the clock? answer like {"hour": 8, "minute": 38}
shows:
{"hour": 9, "minute": 49}
